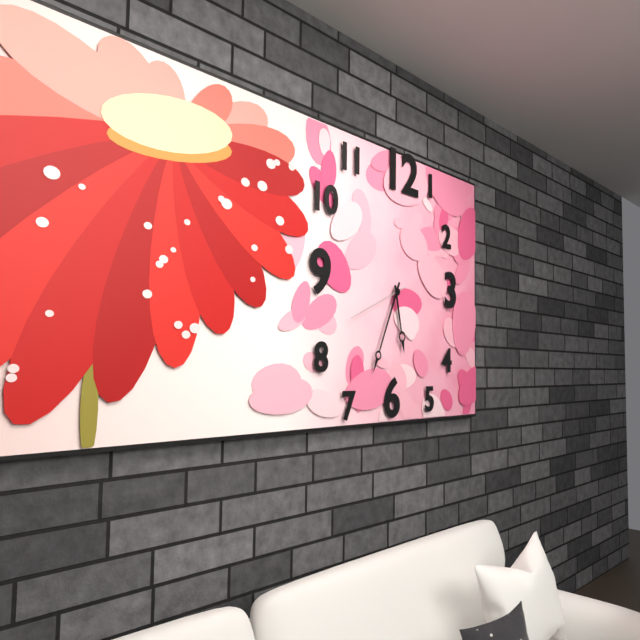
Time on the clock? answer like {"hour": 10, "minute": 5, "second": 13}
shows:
{"hour": 5, "minute": 34, "second": 41}
